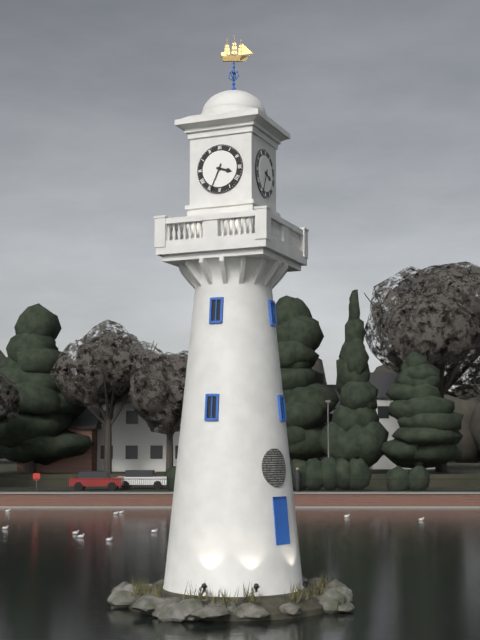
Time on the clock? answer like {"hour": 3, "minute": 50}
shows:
{"hour": 3, "minute": 34}
